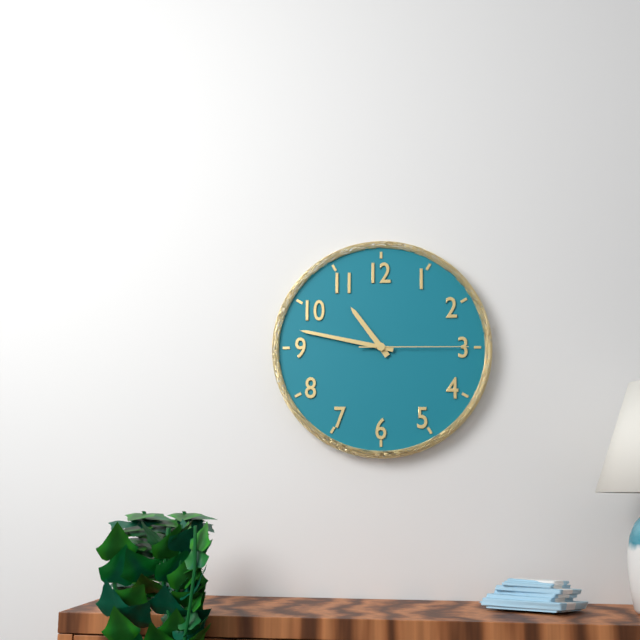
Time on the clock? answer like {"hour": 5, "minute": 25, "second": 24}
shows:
{"hour": 10, "minute": 47, "second": 15}
